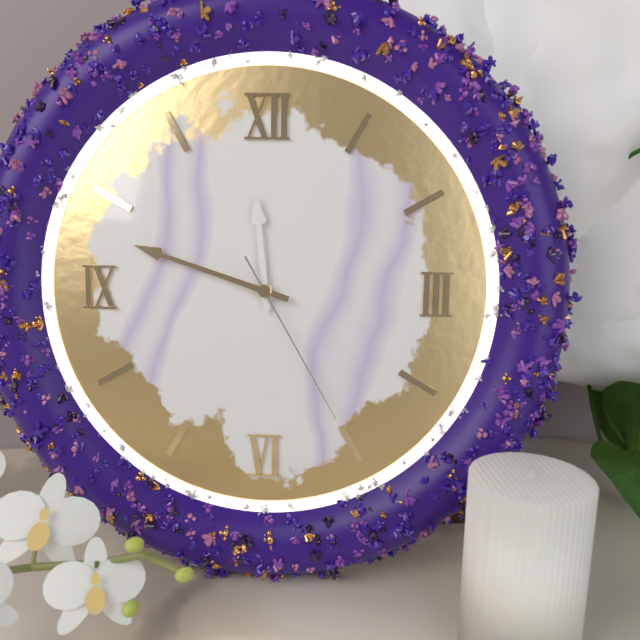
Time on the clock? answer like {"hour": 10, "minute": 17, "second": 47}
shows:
{"hour": 11, "minute": 48, "second": 25}
